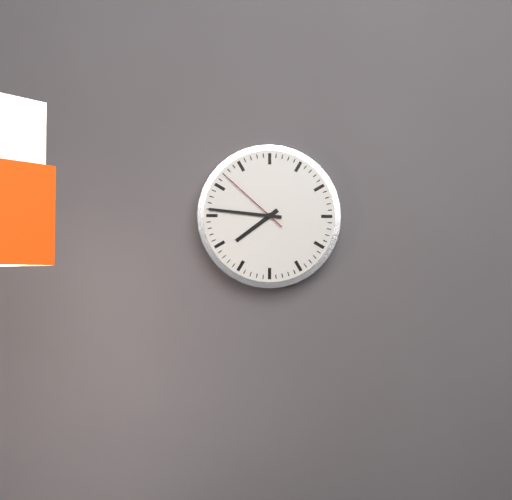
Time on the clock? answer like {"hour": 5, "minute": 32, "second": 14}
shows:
{"hour": 7, "minute": 46, "second": 52}
